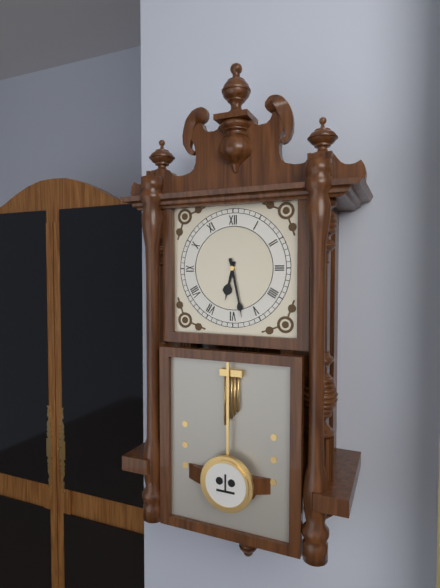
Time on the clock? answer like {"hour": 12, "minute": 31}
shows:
{"hour": 6, "minute": 28}
